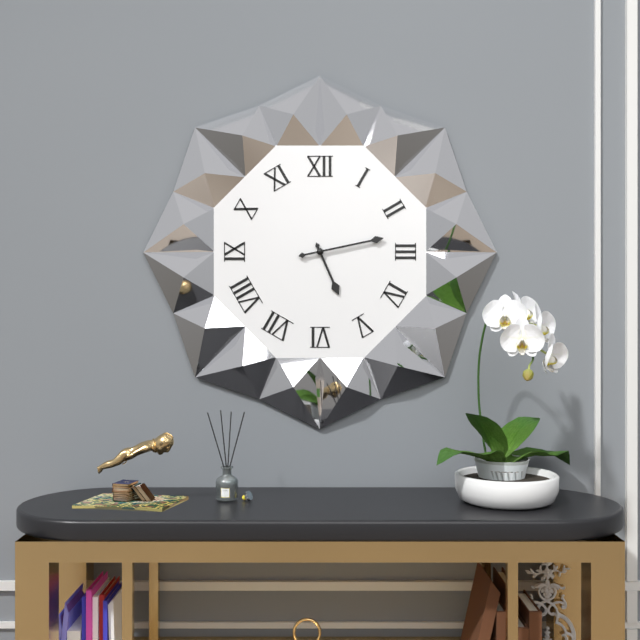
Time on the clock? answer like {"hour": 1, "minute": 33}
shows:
{"hour": 5, "minute": 13}
